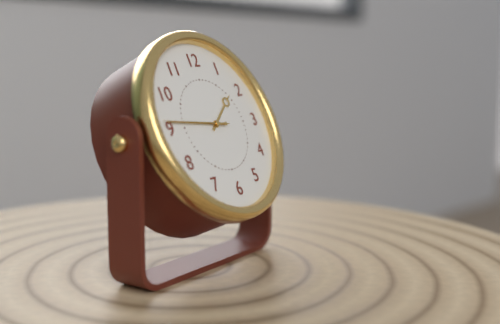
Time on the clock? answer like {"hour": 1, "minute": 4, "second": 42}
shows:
{"hour": 1, "minute": 46, "second": 46}
